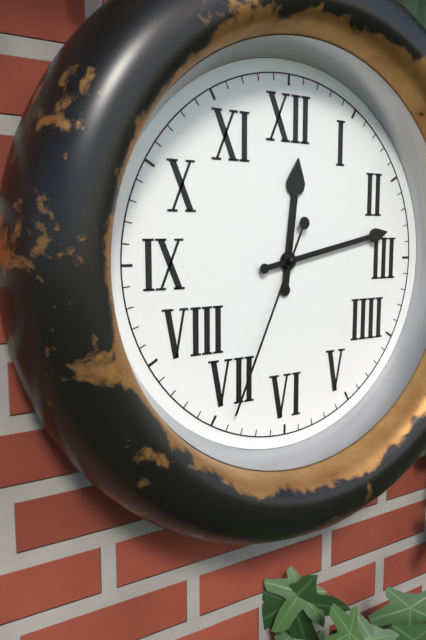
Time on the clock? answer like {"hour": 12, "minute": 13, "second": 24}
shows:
{"hour": 12, "minute": 13, "second": 34}
